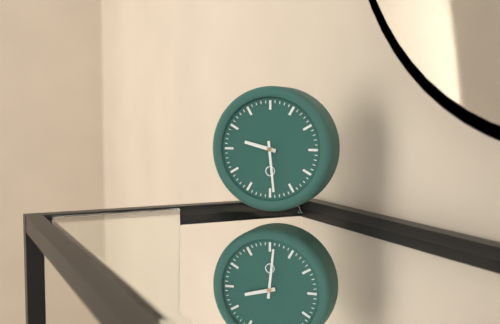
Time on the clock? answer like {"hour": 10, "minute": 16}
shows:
{"hour": 9, "minute": 29}
